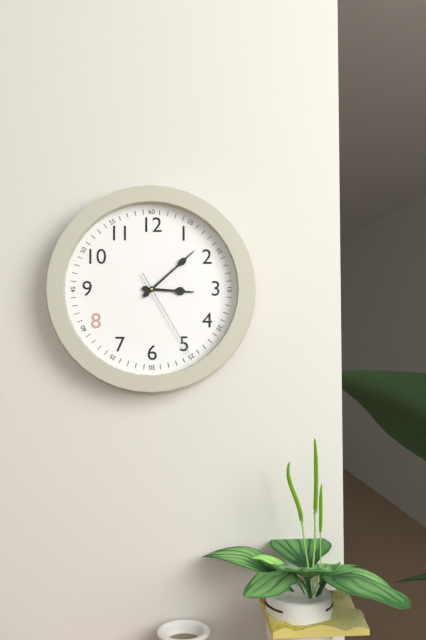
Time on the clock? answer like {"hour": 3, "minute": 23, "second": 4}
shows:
{"hour": 3, "minute": 8, "second": 25}
